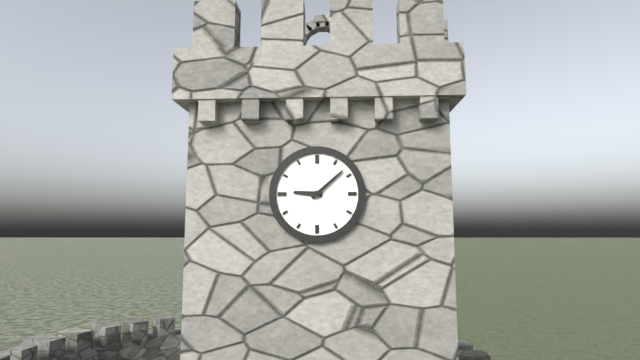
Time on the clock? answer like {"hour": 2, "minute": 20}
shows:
{"hour": 9, "minute": 8}
